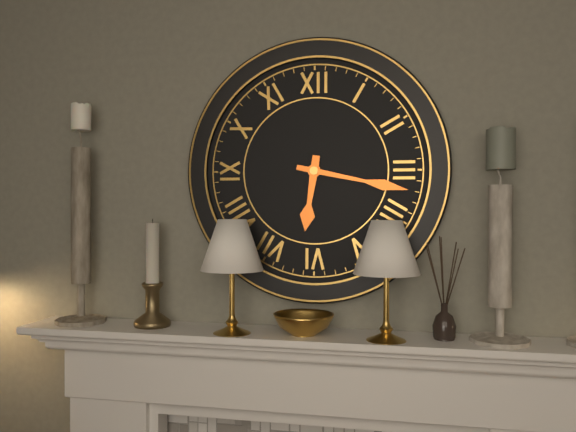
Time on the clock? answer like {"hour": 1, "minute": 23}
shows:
{"hour": 6, "minute": 17}
